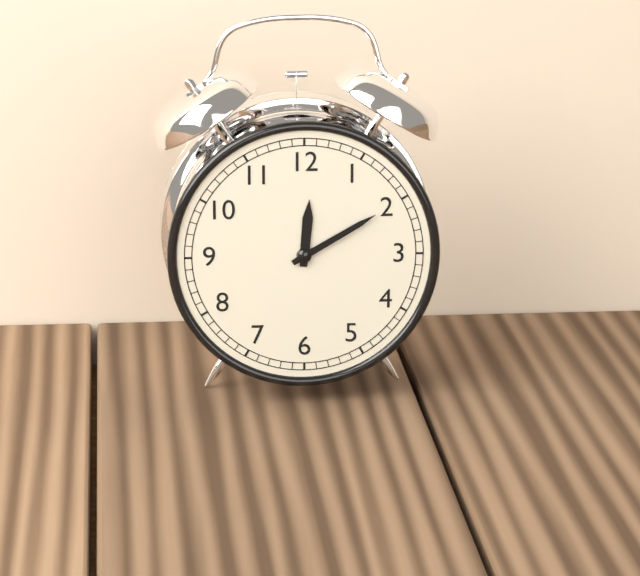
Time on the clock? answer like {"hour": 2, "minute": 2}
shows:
{"hour": 12, "minute": 10}
